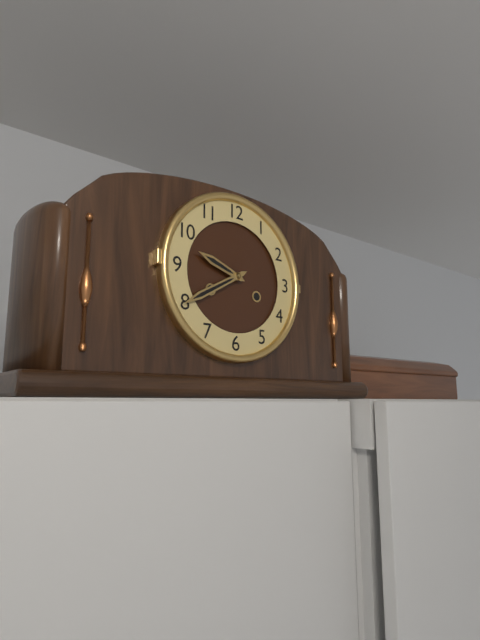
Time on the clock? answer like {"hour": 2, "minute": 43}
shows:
{"hour": 9, "minute": 40}
